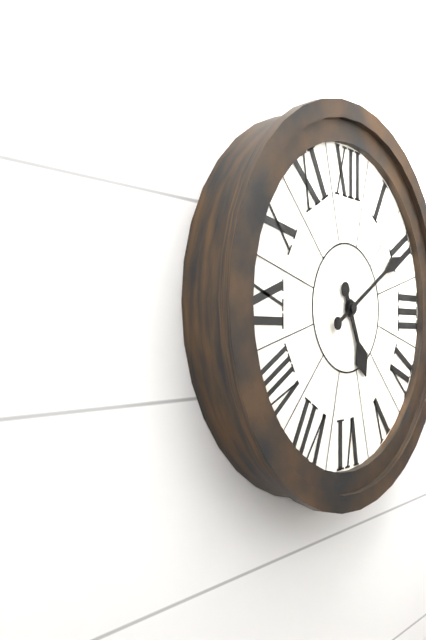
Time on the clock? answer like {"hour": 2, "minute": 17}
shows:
{"hour": 5, "minute": 10}
